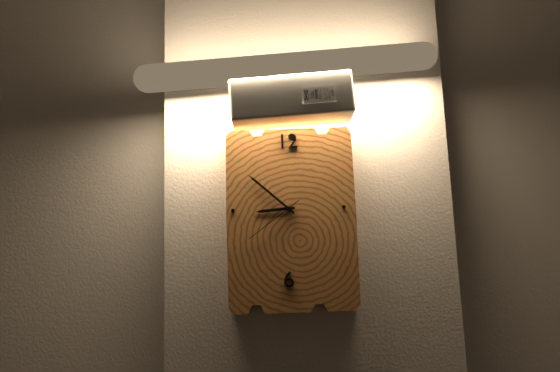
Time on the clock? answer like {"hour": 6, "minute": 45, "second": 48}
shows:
{"hour": 8, "minute": 52, "second": 39}
